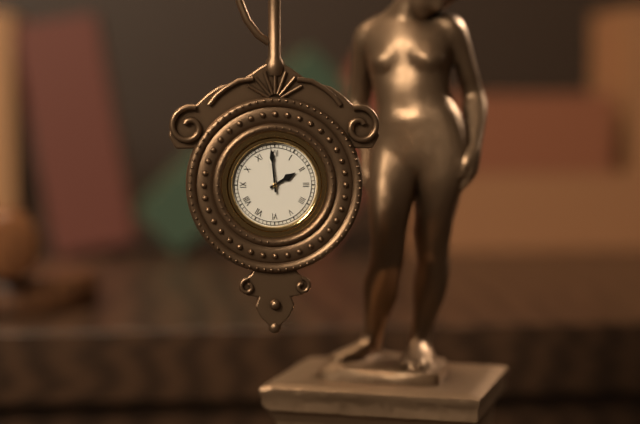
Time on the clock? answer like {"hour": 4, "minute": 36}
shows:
{"hour": 1, "minute": 59}
